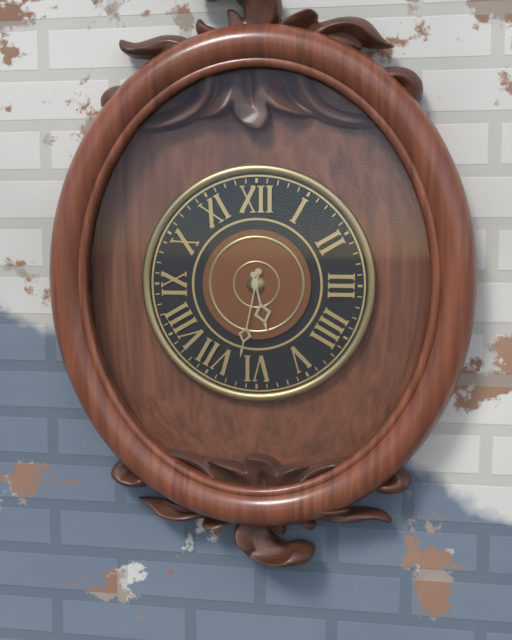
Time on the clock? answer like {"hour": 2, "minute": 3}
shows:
{"hour": 5, "minute": 32}
